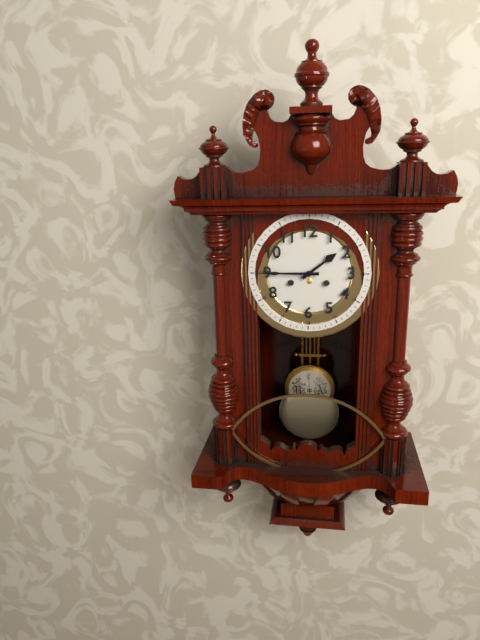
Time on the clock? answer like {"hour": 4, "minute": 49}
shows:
{"hour": 1, "minute": 45}
